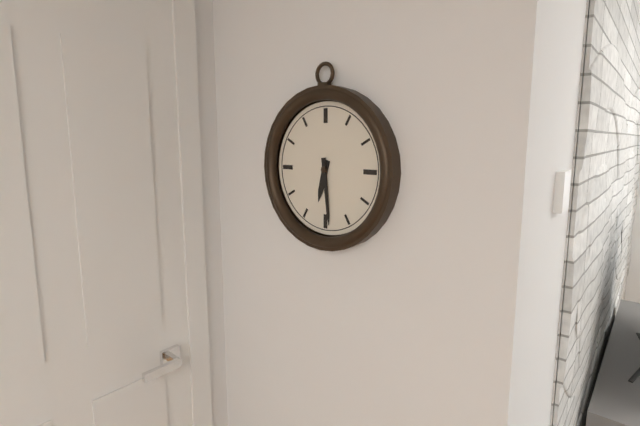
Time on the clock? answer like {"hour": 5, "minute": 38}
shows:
{"hour": 6, "minute": 29}
